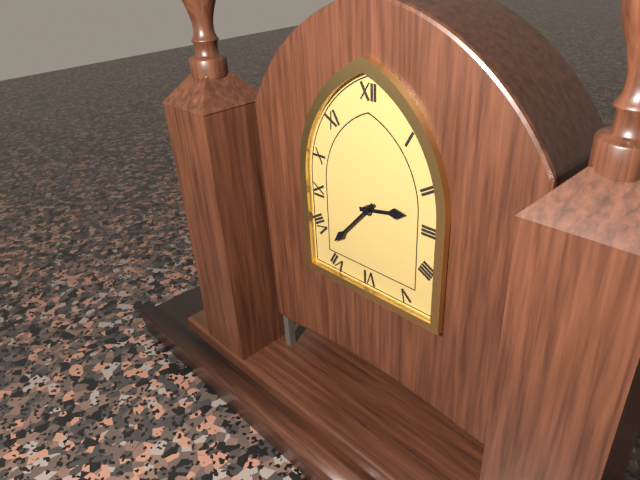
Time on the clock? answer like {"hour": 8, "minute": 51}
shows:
{"hour": 2, "minute": 37}
